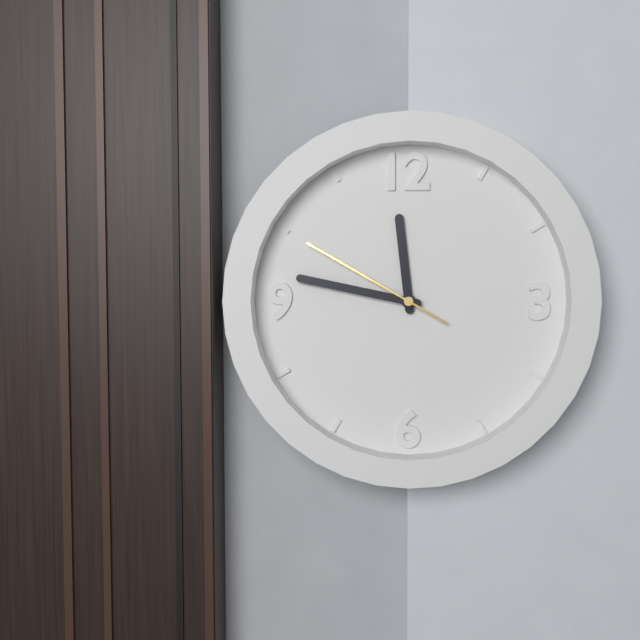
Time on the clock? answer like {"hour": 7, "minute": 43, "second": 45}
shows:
{"hour": 11, "minute": 47, "second": 50}
